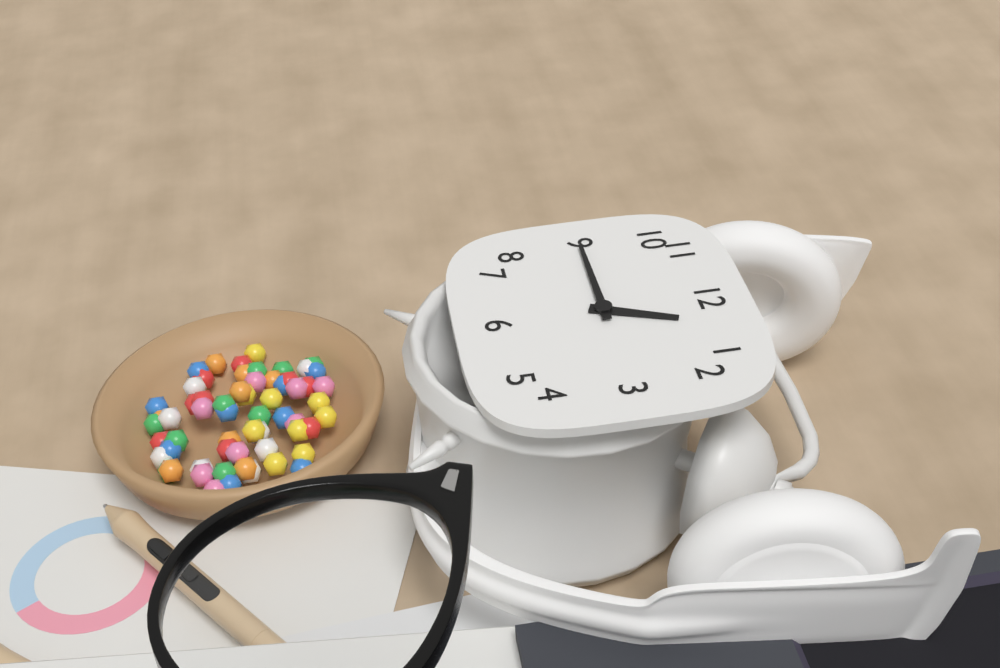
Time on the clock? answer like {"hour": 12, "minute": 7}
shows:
{"hour": 12, "minute": 45}
